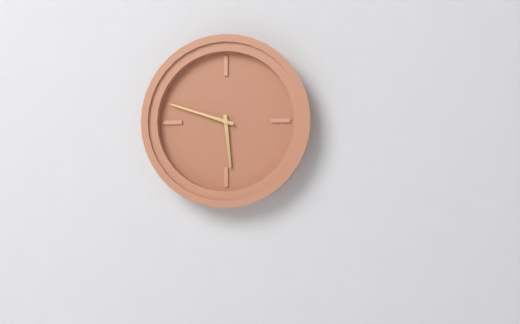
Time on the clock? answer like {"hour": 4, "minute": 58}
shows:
{"hour": 5, "minute": 48}
